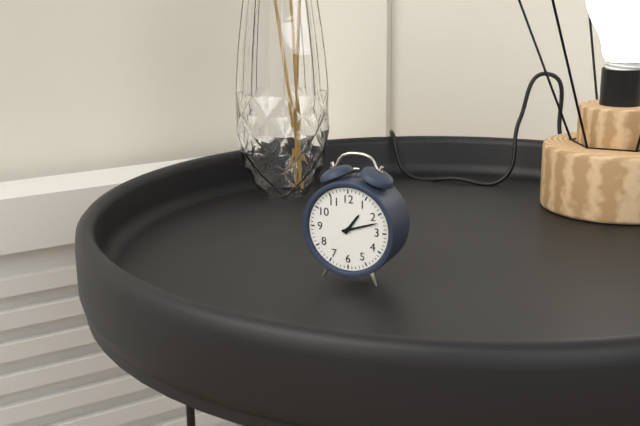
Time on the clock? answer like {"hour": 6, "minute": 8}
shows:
{"hour": 1, "minute": 12}
